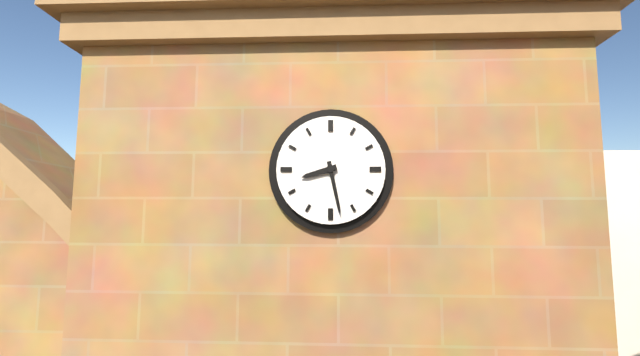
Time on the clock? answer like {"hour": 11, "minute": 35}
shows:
{"hour": 8, "minute": 28}
